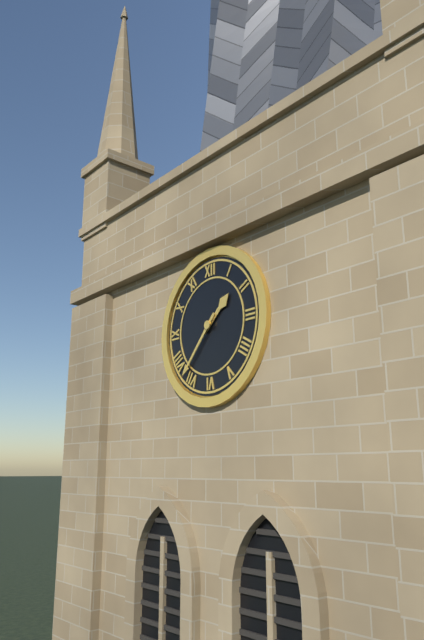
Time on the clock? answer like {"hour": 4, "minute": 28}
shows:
{"hour": 1, "minute": 37}
